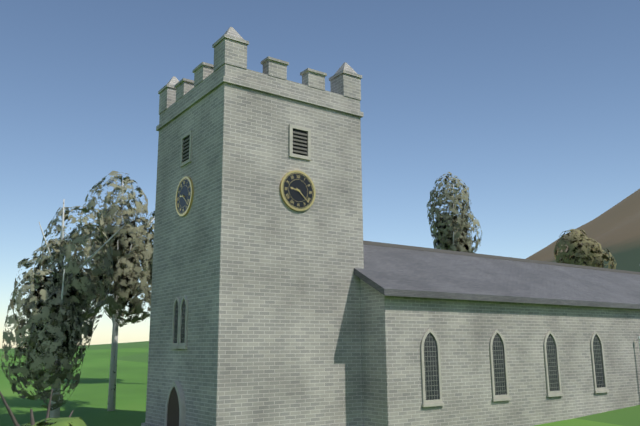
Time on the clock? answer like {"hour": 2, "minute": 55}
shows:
{"hour": 9, "minute": 22}
